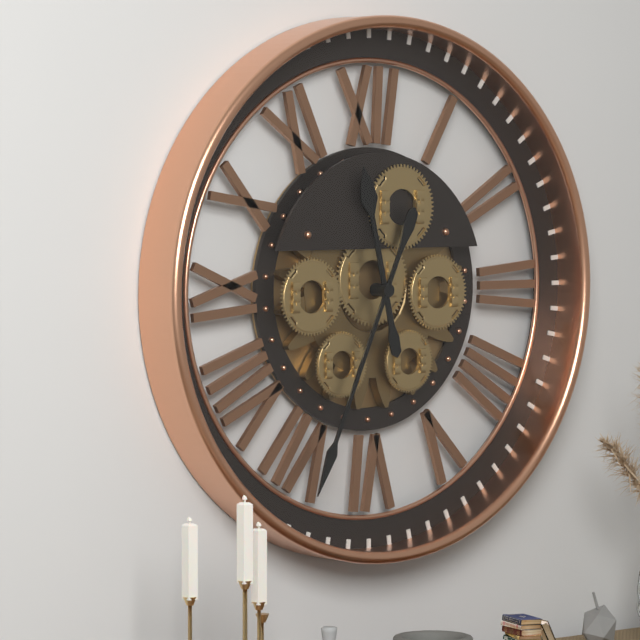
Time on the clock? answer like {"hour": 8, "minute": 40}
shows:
{"hour": 11, "minute": 34}
